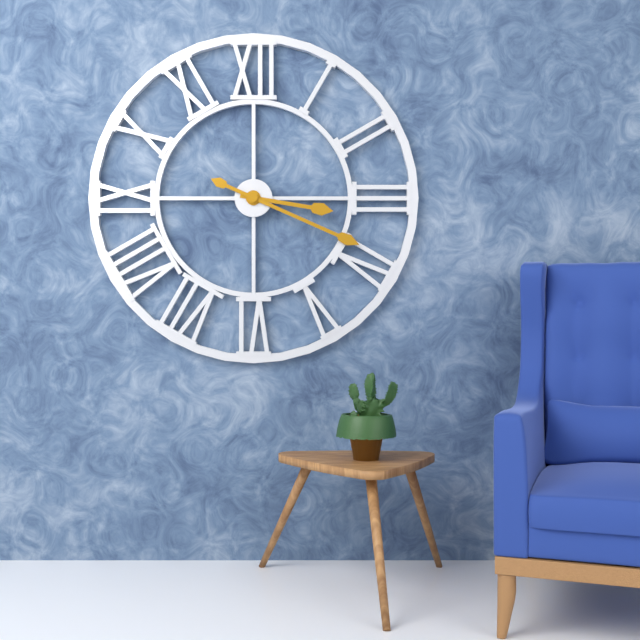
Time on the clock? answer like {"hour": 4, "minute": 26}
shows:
{"hour": 3, "minute": 19}
